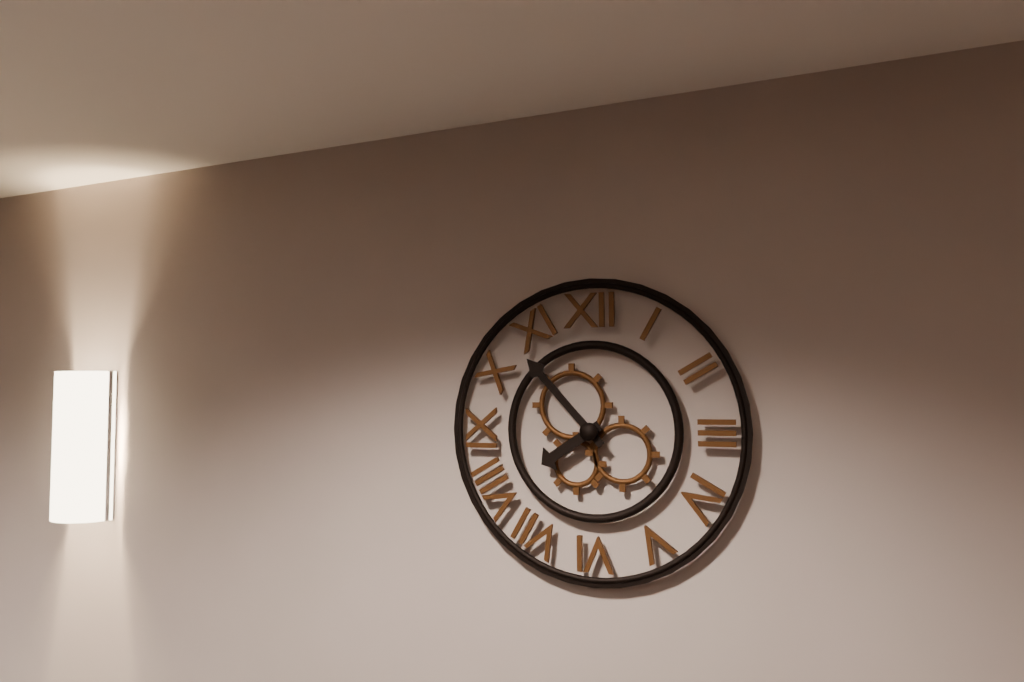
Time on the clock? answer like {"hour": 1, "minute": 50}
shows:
{"hour": 7, "minute": 53}
